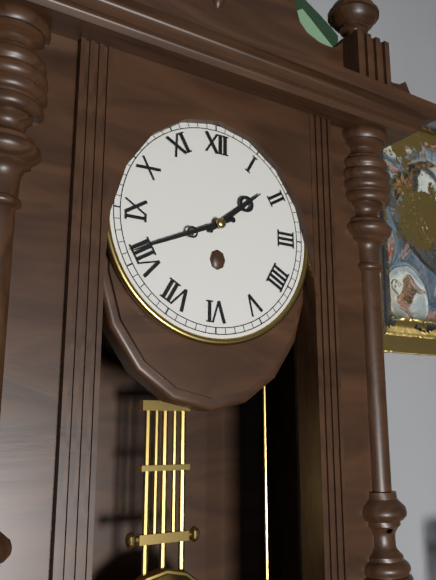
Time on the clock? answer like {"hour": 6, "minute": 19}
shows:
{"hour": 1, "minute": 41}
